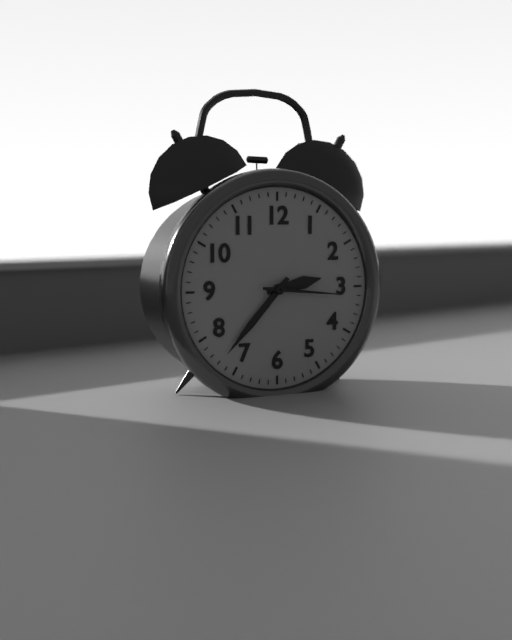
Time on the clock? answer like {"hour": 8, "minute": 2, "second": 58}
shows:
{"hour": 2, "minute": 37, "second": 16}
